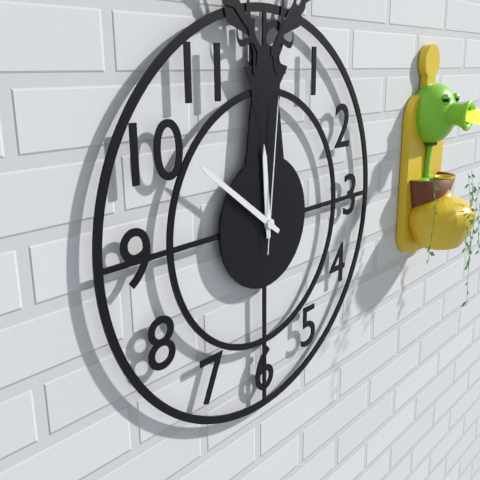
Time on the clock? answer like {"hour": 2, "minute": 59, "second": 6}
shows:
{"hour": 11, "minute": 51, "second": 1}
